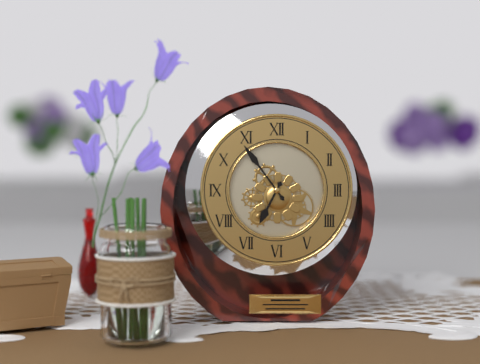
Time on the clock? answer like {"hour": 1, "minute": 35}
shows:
{"hour": 6, "minute": 54}
